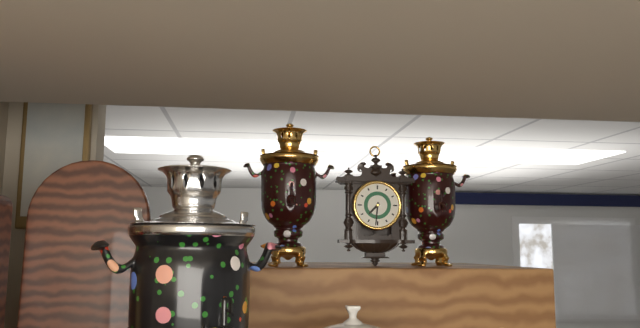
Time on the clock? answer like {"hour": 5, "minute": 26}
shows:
{"hour": 7, "minute": 31}
